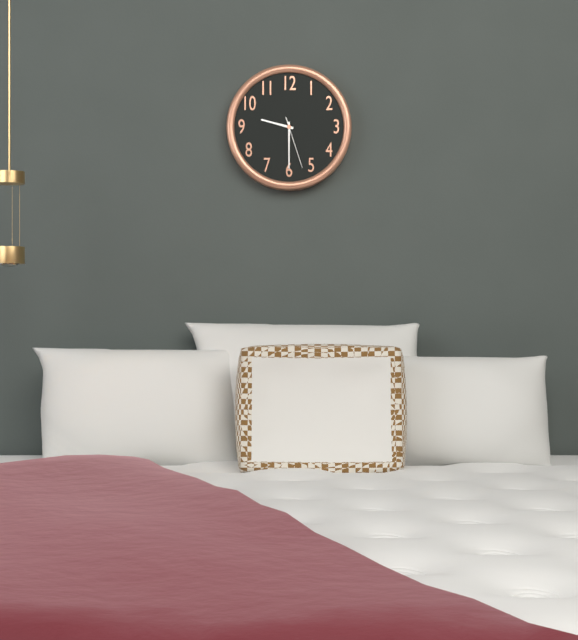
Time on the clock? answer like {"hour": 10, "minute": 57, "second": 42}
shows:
{"hour": 9, "minute": 30, "second": 27}
